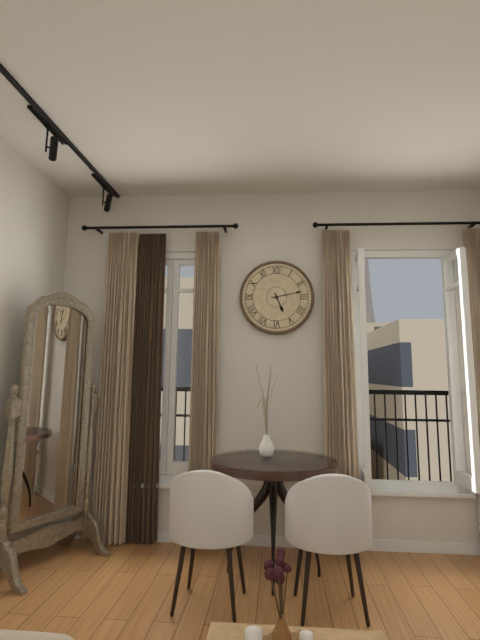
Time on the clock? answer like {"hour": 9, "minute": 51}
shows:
{"hour": 5, "minute": 13}
